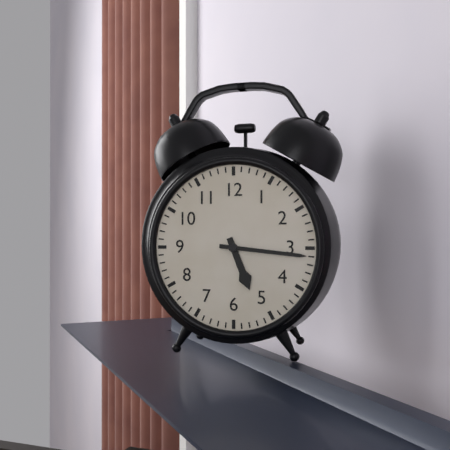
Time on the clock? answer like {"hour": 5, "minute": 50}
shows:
{"hour": 5, "minute": 16}
